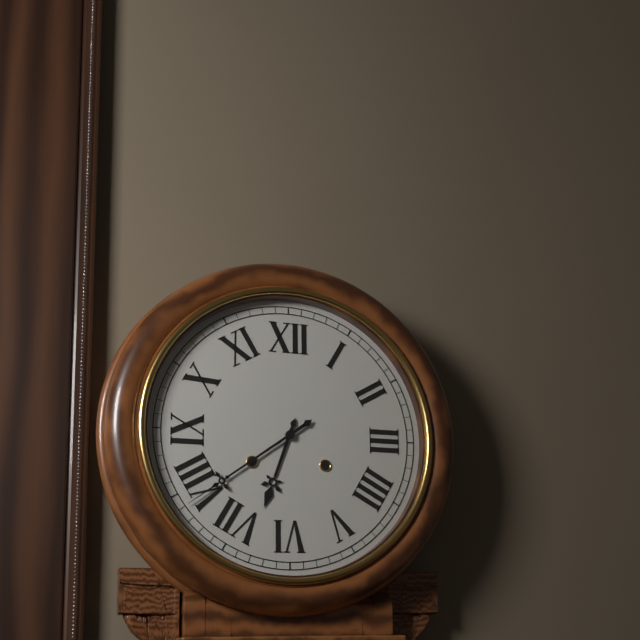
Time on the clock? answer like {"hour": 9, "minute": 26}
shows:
{"hour": 6, "minute": 39}
